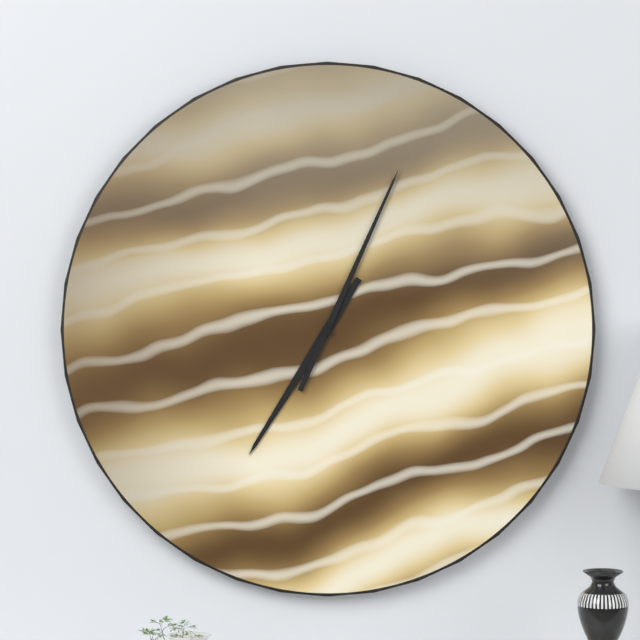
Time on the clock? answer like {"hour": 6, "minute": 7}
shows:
{"hour": 7, "minute": 4}
